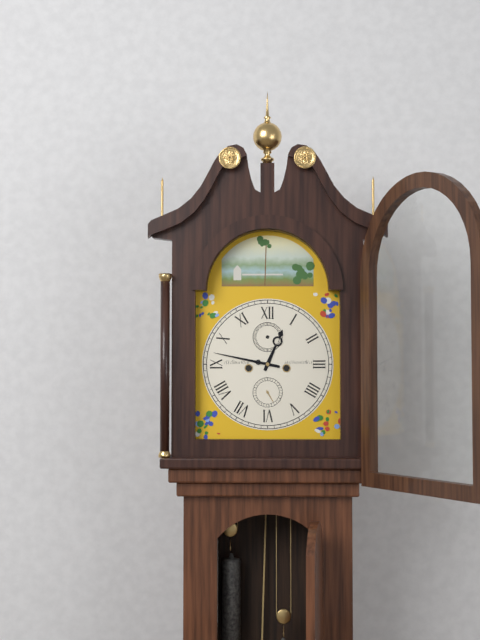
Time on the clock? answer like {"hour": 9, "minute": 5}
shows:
{"hour": 12, "minute": 47}
